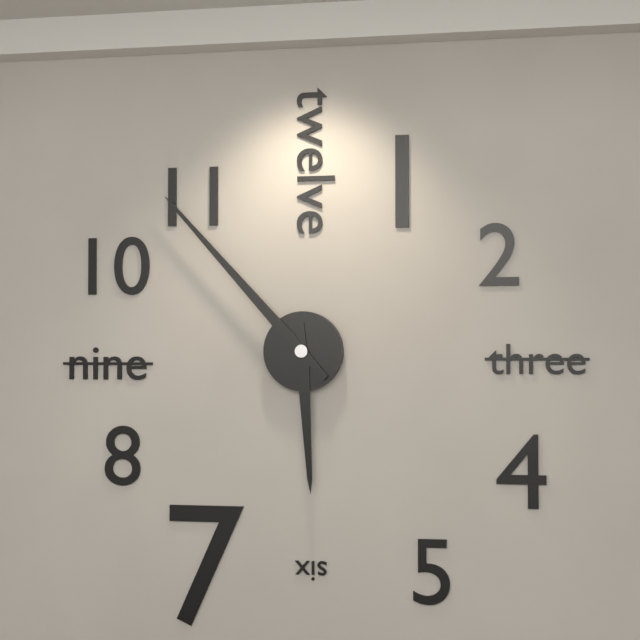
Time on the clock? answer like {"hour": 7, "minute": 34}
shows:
{"hour": 5, "minute": 53}
